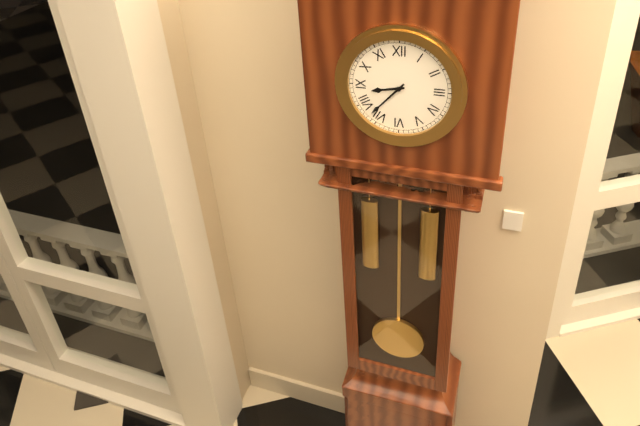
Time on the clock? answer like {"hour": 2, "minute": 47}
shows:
{"hour": 8, "minute": 37}
